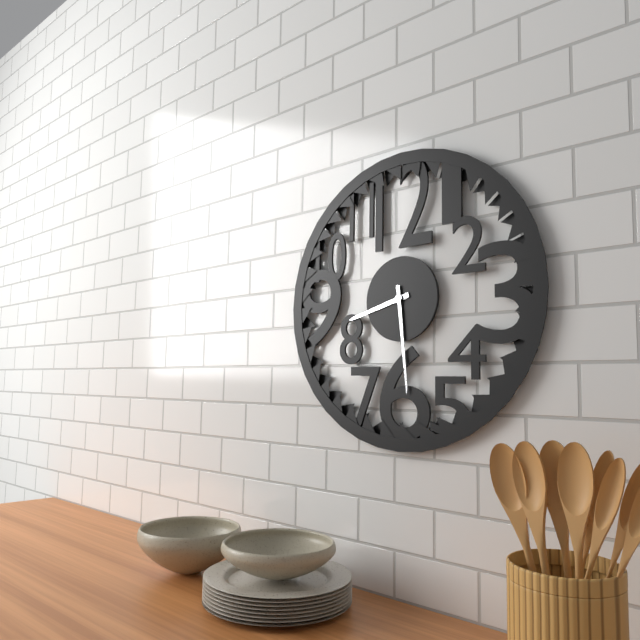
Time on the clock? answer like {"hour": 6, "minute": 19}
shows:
{"hour": 8, "minute": 29}
